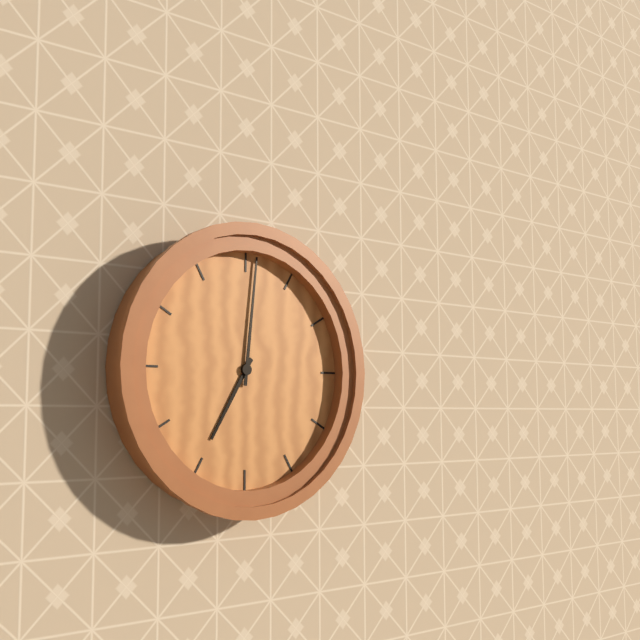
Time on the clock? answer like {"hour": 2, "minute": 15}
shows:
{"hour": 7, "minute": 1}
